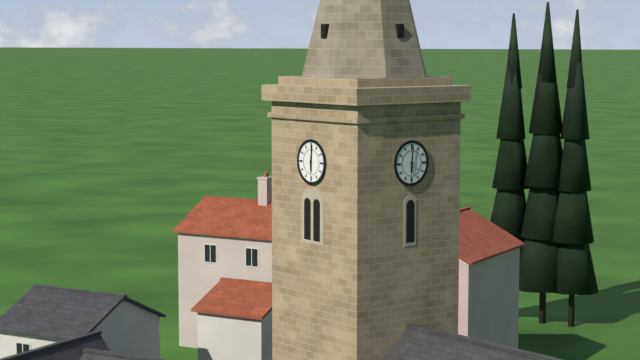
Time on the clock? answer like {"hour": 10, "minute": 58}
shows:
{"hour": 6, "minute": 1}
